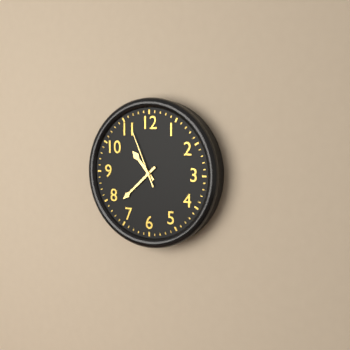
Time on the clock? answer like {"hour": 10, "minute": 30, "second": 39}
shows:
{"hour": 10, "minute": 38, "second": 56}
